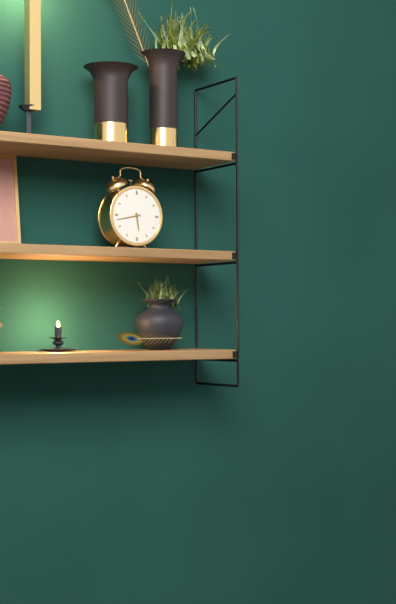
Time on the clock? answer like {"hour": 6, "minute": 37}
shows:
{"hour": 5, "minute": 43}
